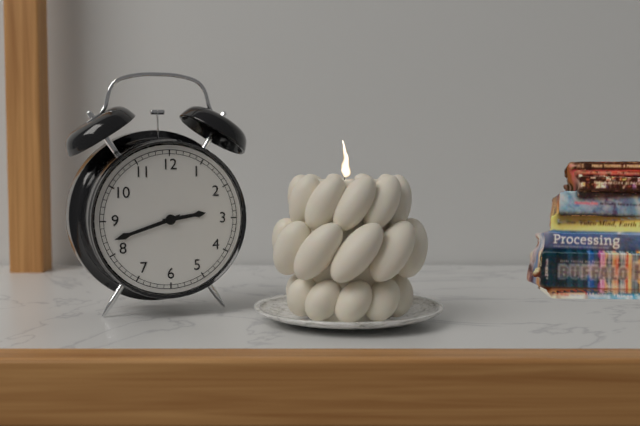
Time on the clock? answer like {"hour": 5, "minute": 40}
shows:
{"hour": 2, "minute": 42}
